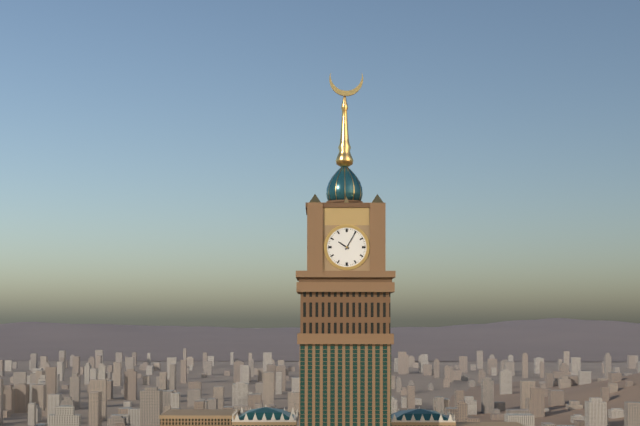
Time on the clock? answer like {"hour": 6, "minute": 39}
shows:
{"hour": 10, "minute": 5}
